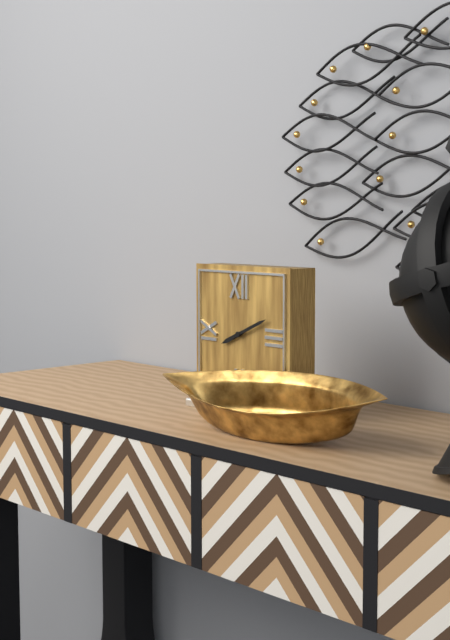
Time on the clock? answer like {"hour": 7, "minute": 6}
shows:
{"hour": 8, "minute": 11}
